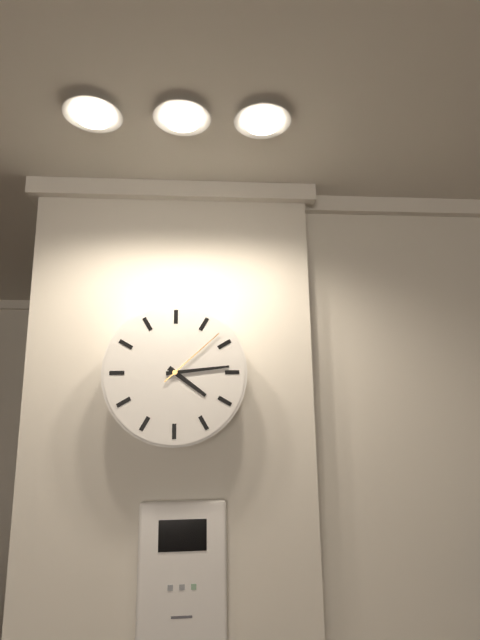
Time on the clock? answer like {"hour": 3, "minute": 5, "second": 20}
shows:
{"hour": 4, "minute": 14, "second": 8}
